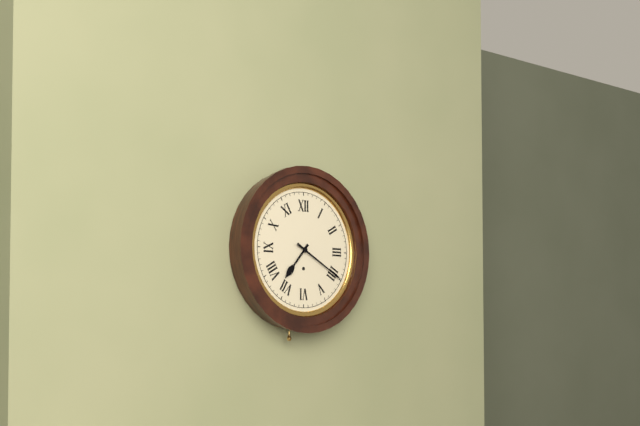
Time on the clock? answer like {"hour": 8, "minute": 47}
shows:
{"hour": 7, "minute": 20}
